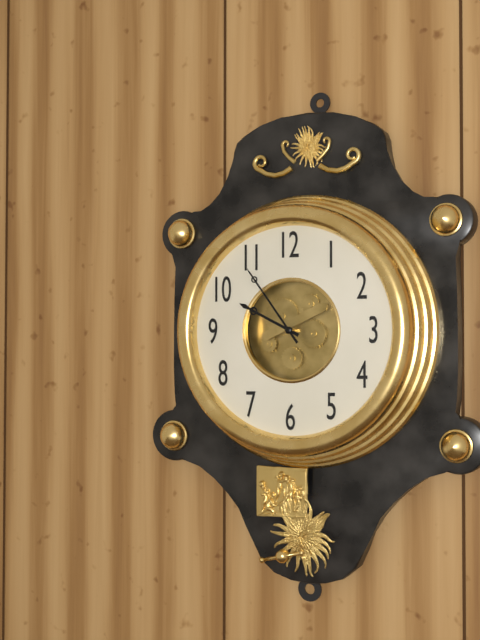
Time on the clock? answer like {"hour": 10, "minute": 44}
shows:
{"hour": 9, "minute": 54}
